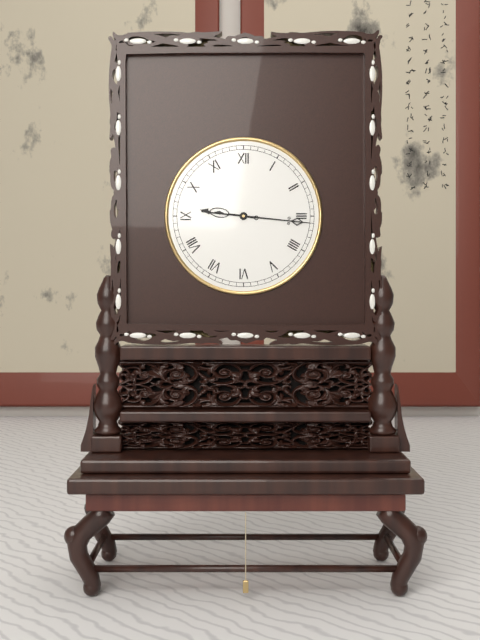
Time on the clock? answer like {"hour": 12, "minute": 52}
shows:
{"hour": 9, "minute": 16}
